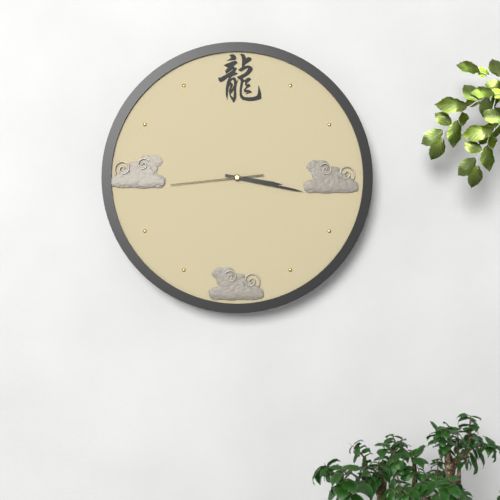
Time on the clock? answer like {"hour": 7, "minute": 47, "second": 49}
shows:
{"hour": 3, "minute": 17, "second": 44}
